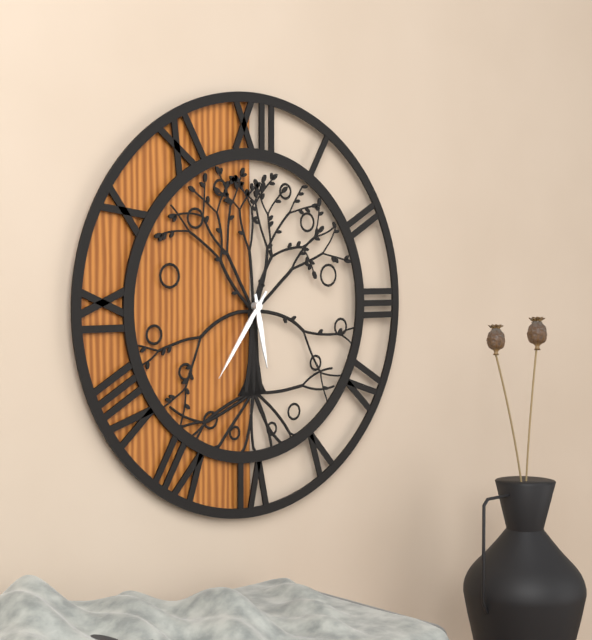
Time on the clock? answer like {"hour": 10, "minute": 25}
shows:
{"hour": 5, "minute": 36}
